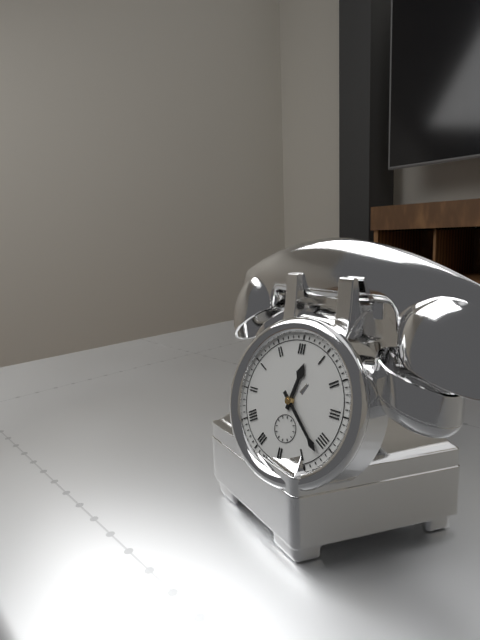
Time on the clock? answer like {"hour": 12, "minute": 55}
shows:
{"hour": 12, "minute": 22}
